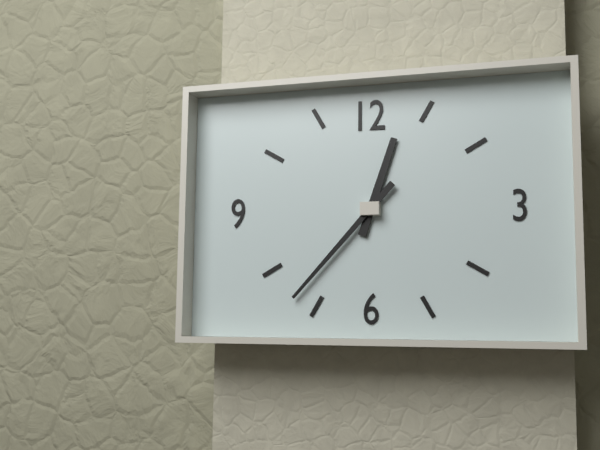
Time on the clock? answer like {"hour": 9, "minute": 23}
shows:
{"hour": 12, "minute": 37}
